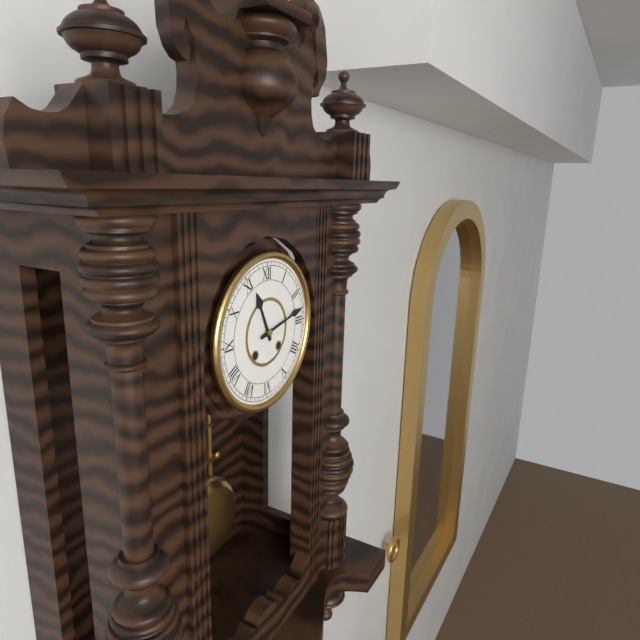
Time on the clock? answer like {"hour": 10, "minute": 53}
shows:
{"hour": 11, "minute": 13}
